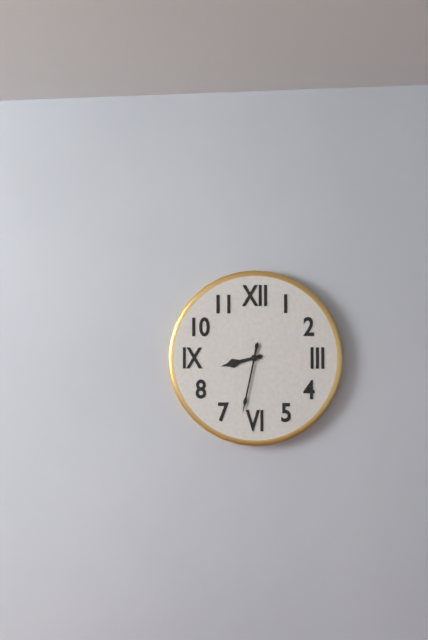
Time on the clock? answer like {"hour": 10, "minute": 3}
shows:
{"hour": 8, "minute": 32}
